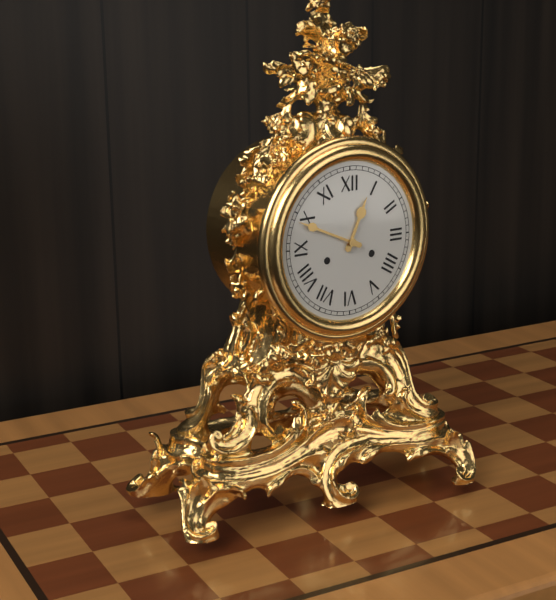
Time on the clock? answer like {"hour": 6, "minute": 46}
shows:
{"hour": 12, "minute": 49}
